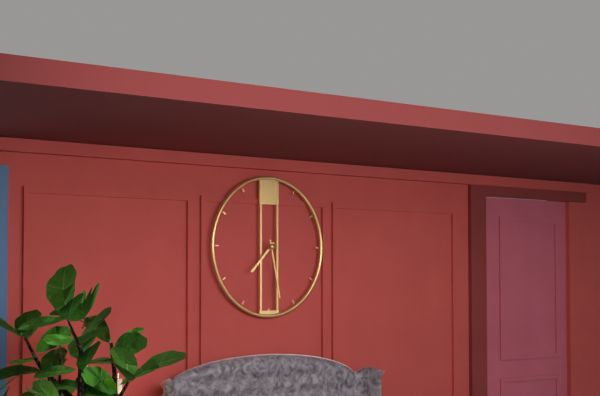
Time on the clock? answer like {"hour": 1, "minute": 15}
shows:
{"hour": 7, "minute": 28}
